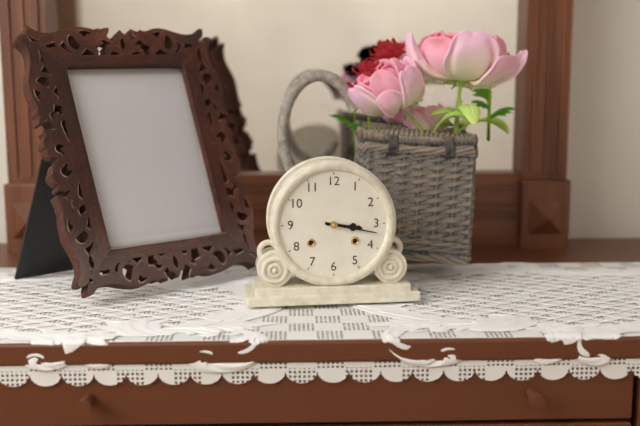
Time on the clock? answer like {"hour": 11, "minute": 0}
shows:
{"hour": 3, "minute": 17}
